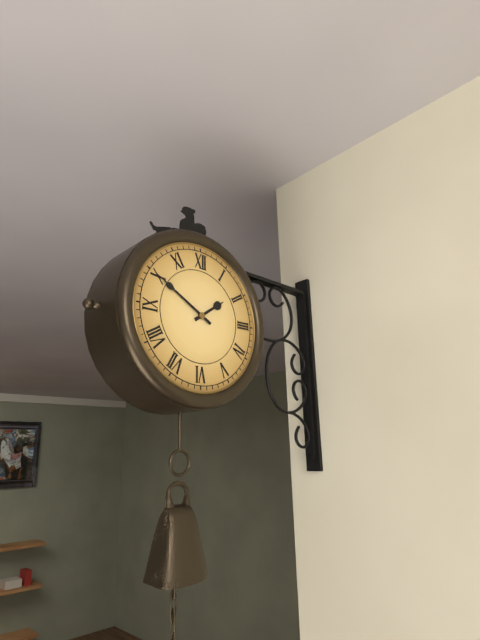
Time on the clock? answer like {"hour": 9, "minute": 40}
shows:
{"hour": 1, "minute": 50}
